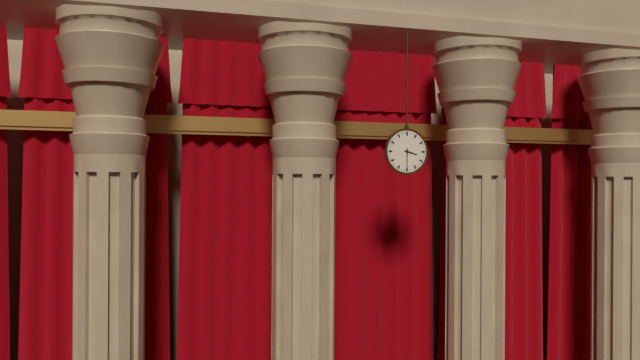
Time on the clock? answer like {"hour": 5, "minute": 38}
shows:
{"hour": 3, "minute": 30}
